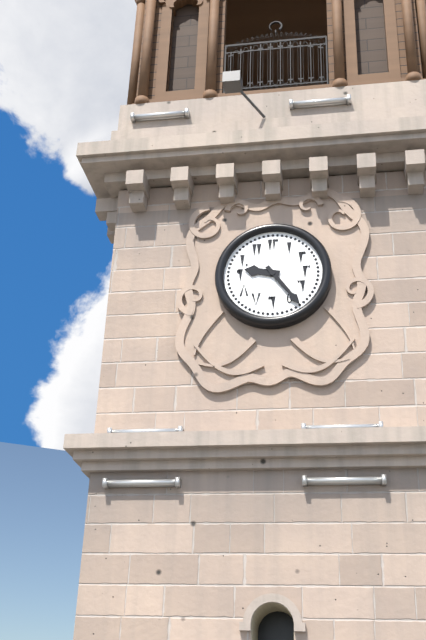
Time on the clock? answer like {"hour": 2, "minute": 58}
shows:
{"hour": 9, "minute": 24}
